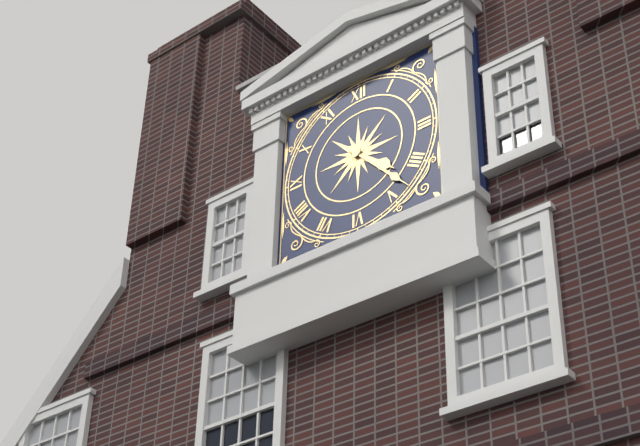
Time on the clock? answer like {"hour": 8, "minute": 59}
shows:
{"hour": 4, "minute": 23}
